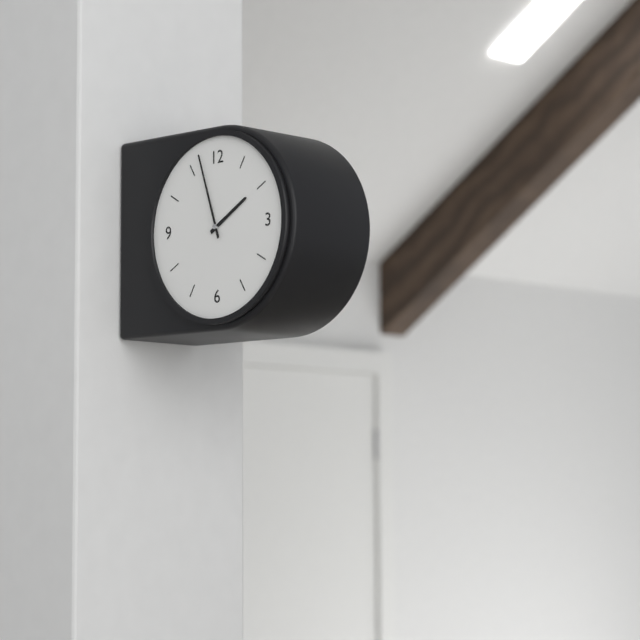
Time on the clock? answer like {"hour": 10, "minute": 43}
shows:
{"hour": 1, "minute": 57}
